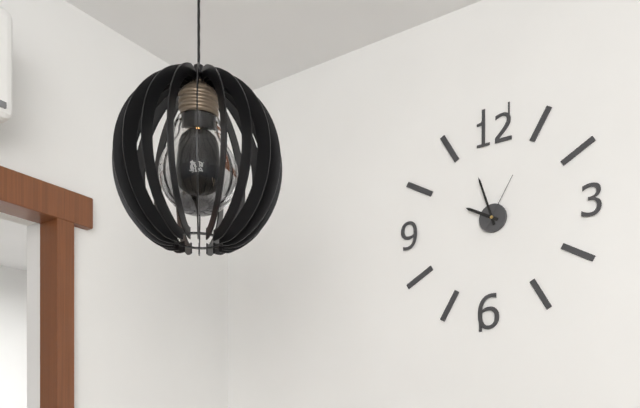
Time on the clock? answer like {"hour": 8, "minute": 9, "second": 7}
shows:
{"hour": 9, "minute": 57, "second": 5}
